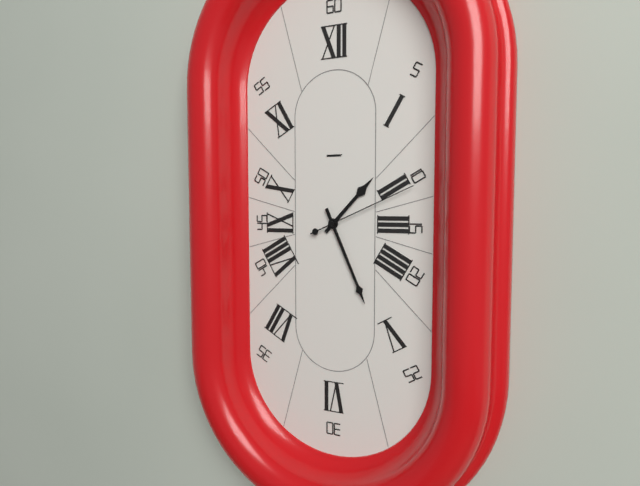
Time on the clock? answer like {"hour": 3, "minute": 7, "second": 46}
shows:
{"hour": 1, "minute": 26, "second": 11}
